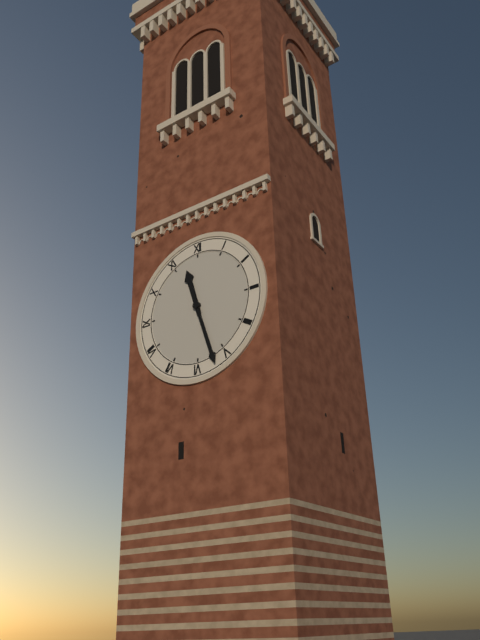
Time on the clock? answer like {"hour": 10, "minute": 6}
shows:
{"hour": 11, "minute": 27}
